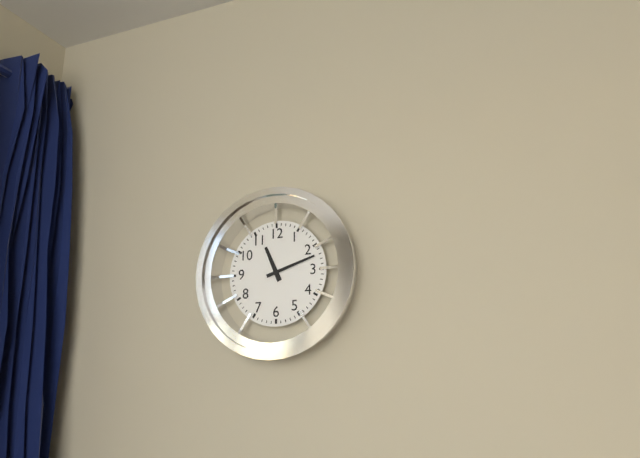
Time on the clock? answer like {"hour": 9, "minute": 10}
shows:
{"hour": 11, "minute": 12}
